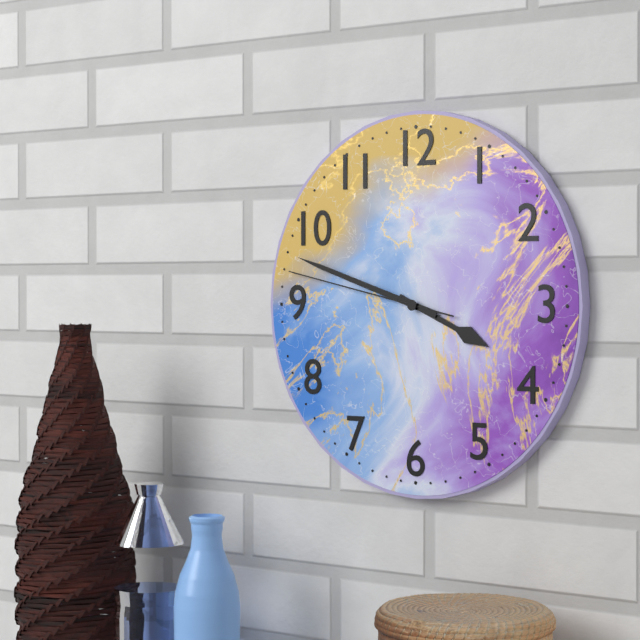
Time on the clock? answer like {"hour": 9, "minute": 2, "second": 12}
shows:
{"hour": 3, "minute": 48, "second": 47}
